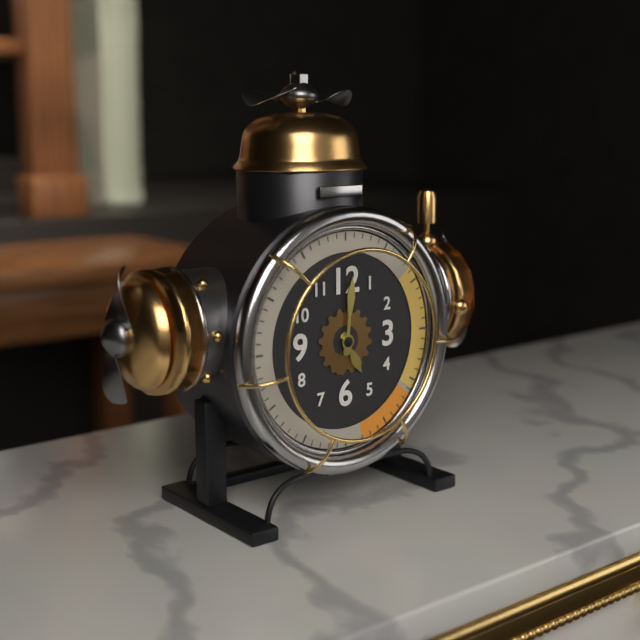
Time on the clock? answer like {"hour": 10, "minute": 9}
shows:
{"hour": 5, "minute": 1}
